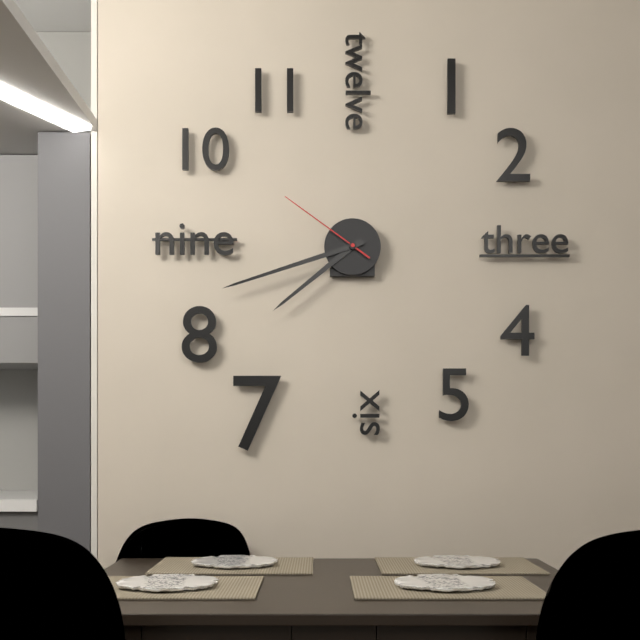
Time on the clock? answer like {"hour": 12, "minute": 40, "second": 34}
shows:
{"hour": 7, "minute": 42, "second": 51}
